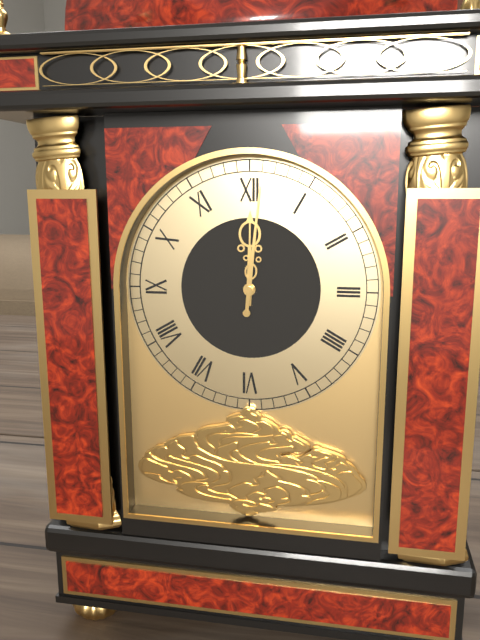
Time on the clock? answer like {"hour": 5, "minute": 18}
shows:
{"hour": 12, "minute": 1}
